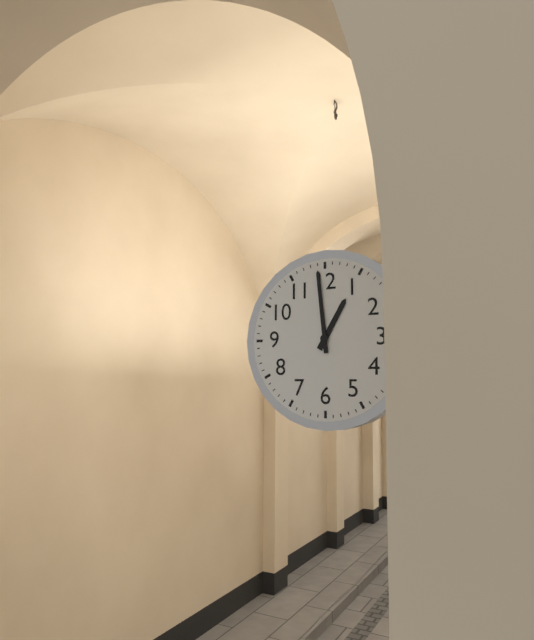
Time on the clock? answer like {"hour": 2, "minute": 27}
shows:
{"hour": 12, "minute": 59}
